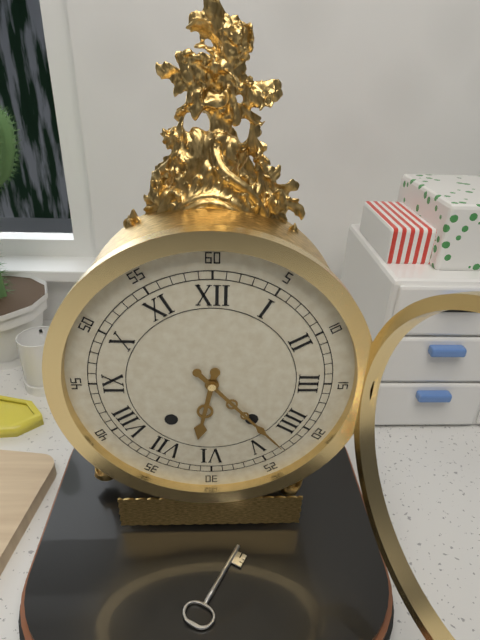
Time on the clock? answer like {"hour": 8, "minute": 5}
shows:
{"hour": 6, "minute": 23}
